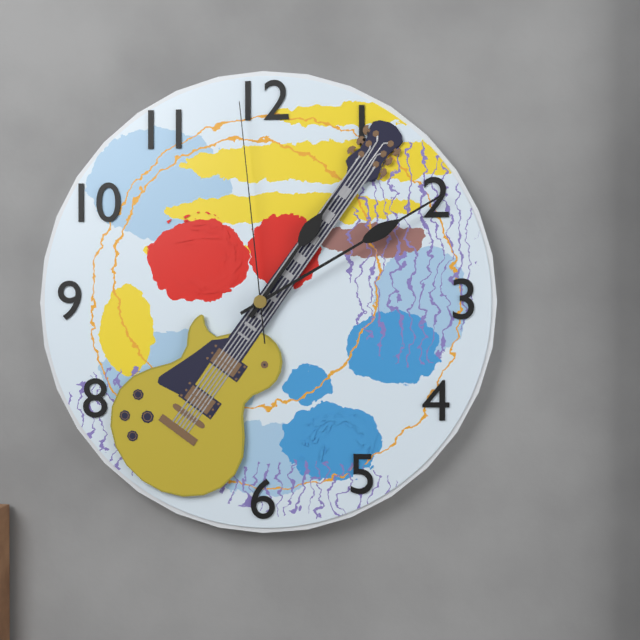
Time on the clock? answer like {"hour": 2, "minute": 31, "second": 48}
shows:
{"hour": 1, "minute": 10, "second": 59}
